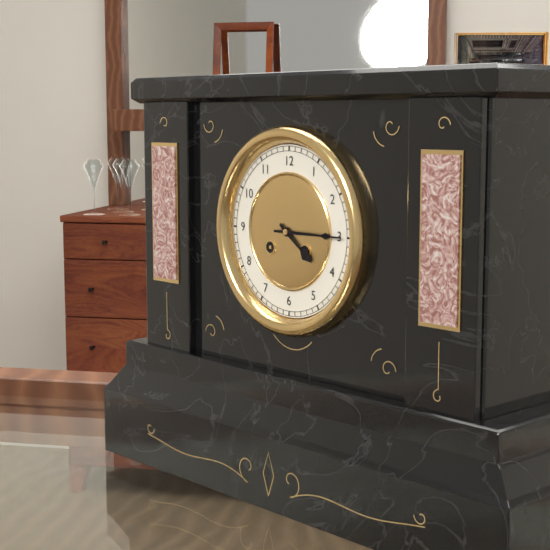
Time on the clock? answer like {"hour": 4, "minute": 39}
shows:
{"hour": 4, "minute": 15}
